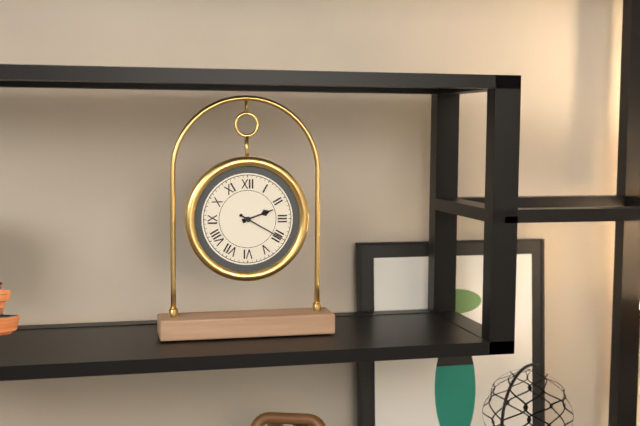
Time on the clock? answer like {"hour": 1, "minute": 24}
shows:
{"hour": 2, "minute": 20}
